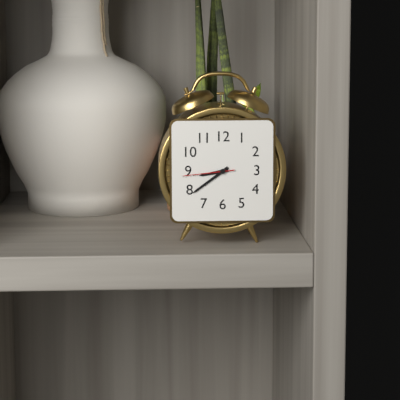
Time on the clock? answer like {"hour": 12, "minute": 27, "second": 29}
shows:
{"hour": 8, "minute": 39, "second": 44}
